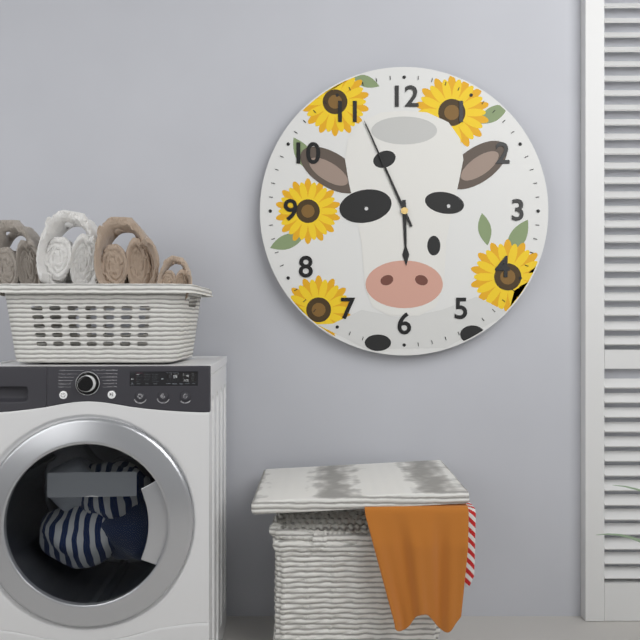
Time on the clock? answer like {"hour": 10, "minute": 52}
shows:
{"hour": 5, "minute": 56}
